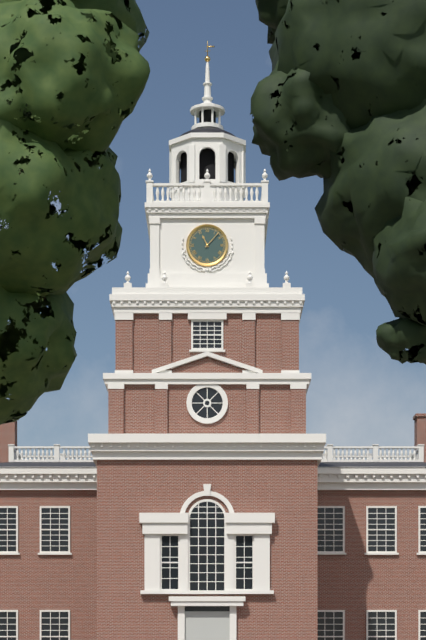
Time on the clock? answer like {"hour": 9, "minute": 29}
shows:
{"hour": 11, "minute": 7}
